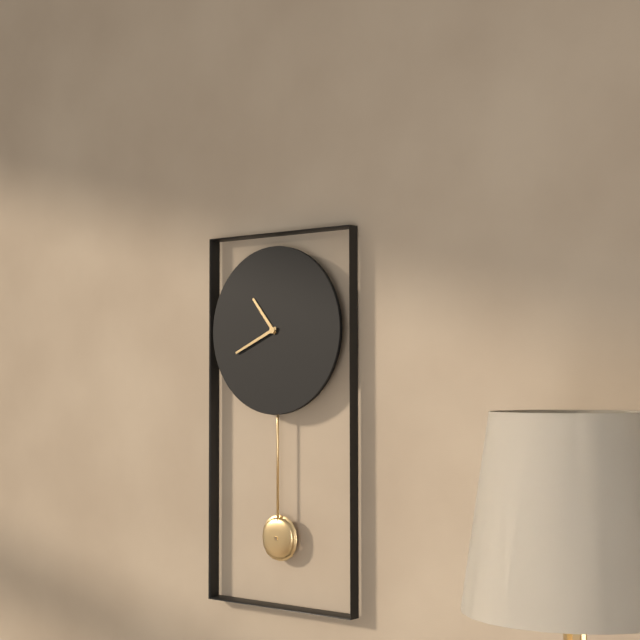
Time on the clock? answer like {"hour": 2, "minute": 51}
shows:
{"hour": 10, "minute": 41}
